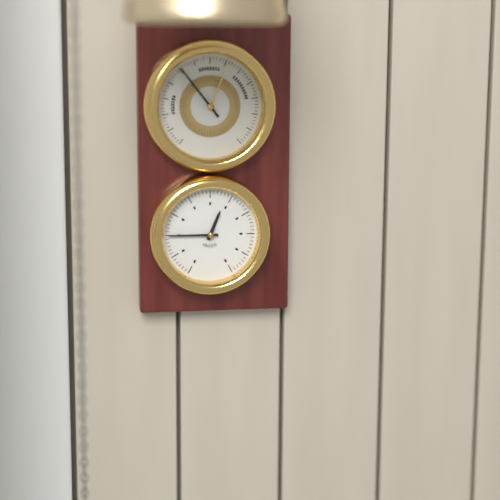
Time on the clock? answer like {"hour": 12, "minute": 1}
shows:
{"hour": 12, "minute": 45}
